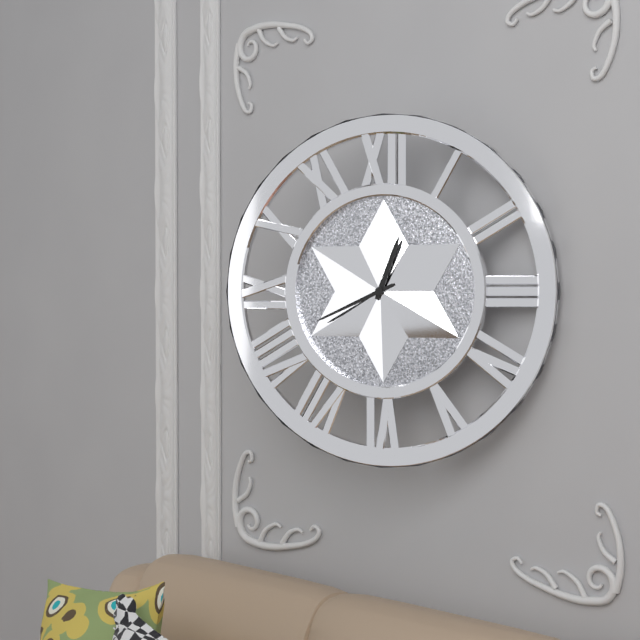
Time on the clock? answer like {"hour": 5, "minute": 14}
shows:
{"hour": 12, "minute": 41}
